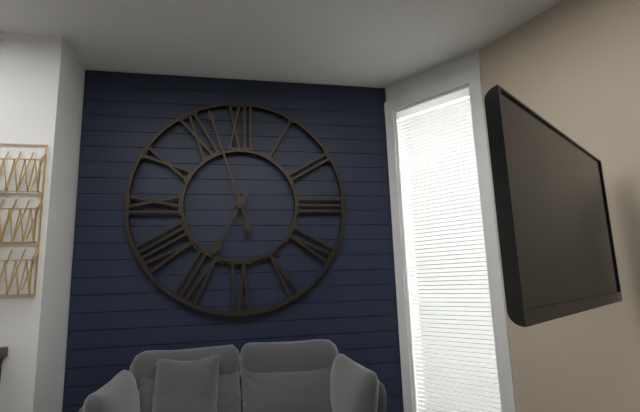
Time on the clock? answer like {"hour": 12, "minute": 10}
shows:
{"hour": 6, "minute": 57}
